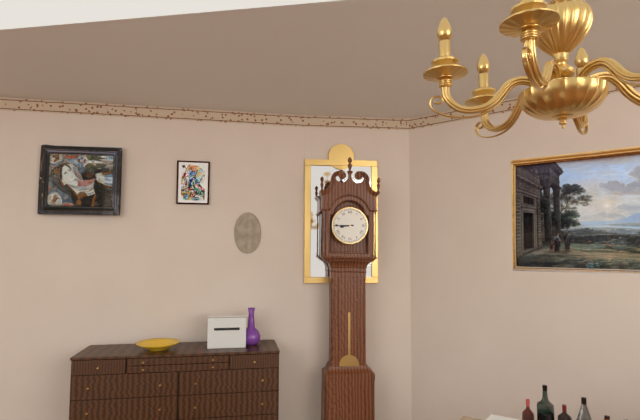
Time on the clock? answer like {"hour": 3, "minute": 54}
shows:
{"hour": 8, "minute": 45}
